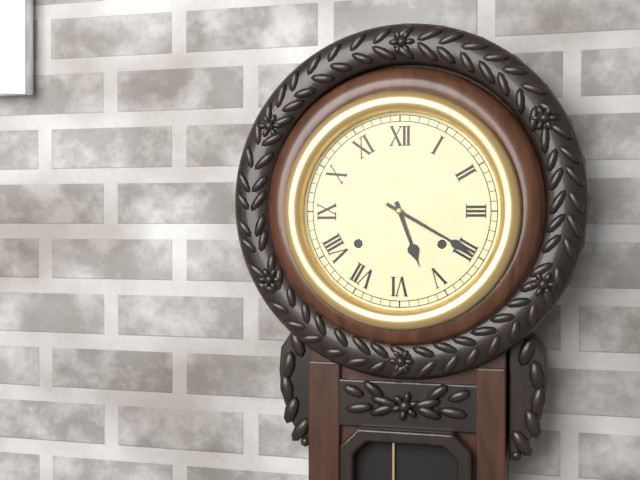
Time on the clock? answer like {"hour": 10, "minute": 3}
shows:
{"hour": 5, "minute": 20}
